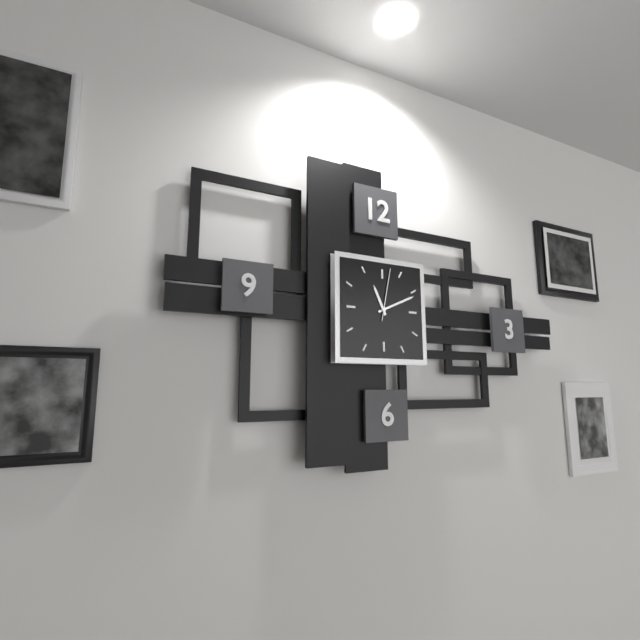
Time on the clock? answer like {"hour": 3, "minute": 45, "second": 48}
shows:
{"hour": 11, "minute": 11, "second": 2}
